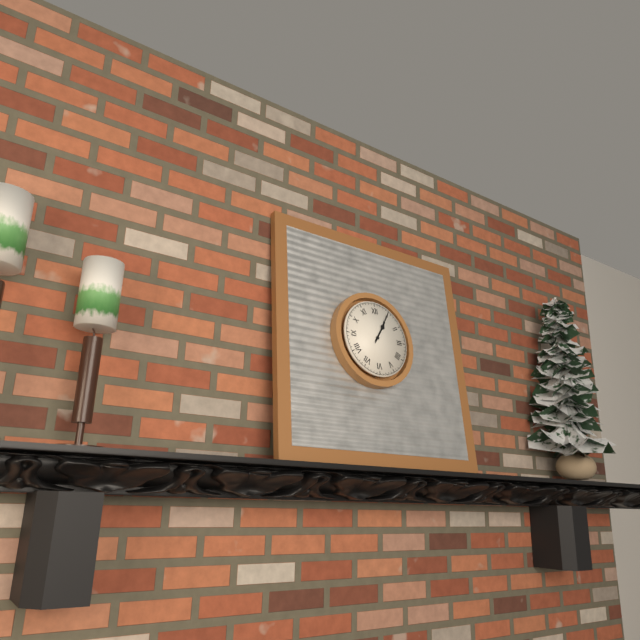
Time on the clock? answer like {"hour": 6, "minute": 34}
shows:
{"hour": 1, "minute": 5}
